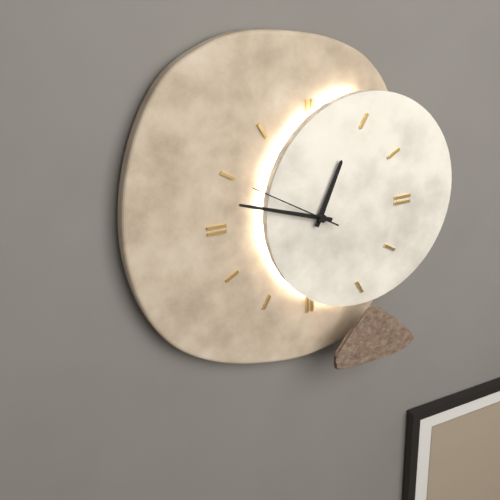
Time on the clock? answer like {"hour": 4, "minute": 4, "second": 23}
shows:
{"hour": 12, "minute": 48, "second": 50}
